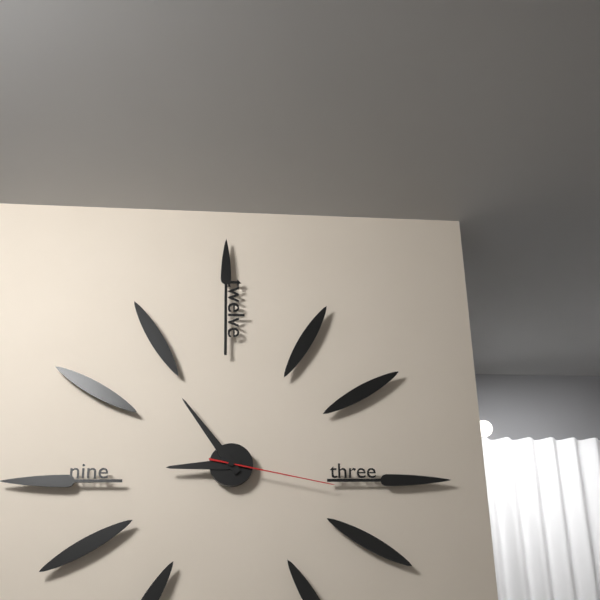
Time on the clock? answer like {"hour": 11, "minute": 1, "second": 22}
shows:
{"hour": 8, "minute": 54, "second": 17}
